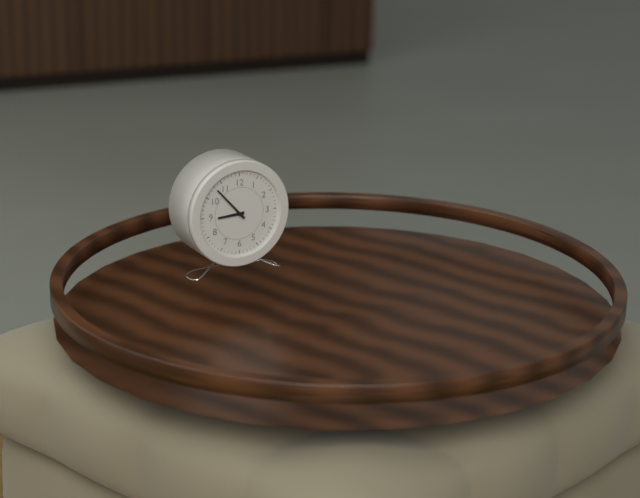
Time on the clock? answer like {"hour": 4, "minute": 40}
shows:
{"hour": 8, "minute": 53}
